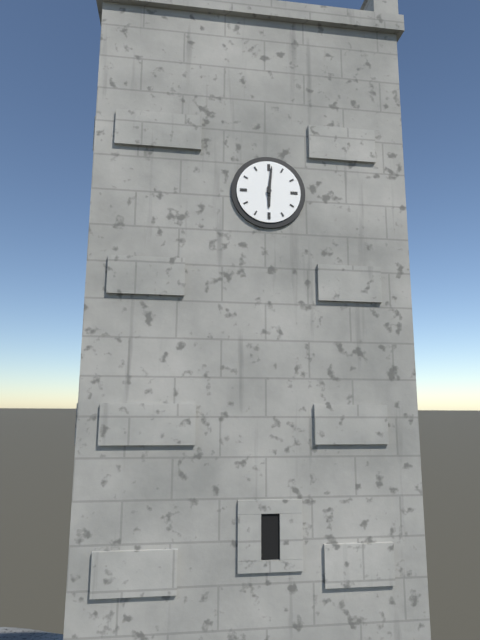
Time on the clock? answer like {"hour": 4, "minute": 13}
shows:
{"hour": 6, "minute": 1}
